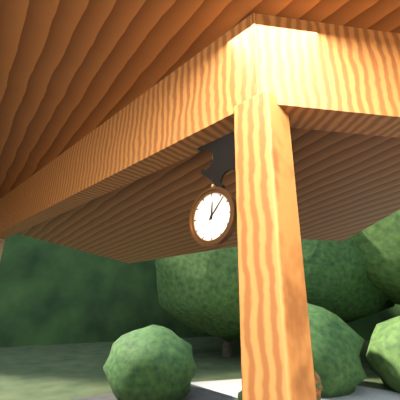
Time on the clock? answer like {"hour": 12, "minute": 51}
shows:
{"hour": 12, "minute": 7}
